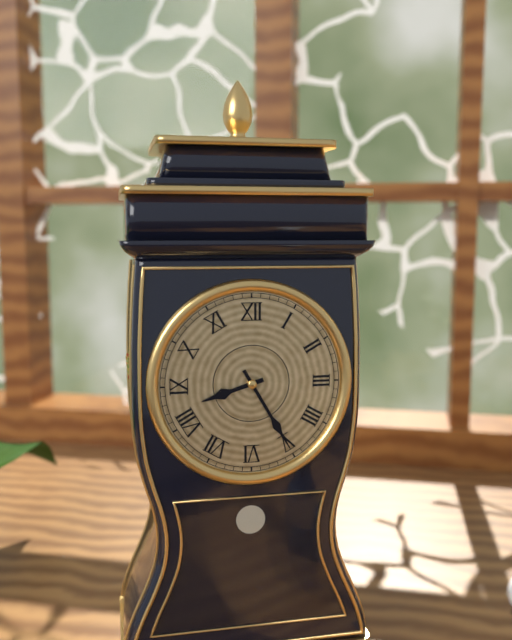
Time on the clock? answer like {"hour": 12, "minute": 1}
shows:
{"hour": 8, "minute": 25}
